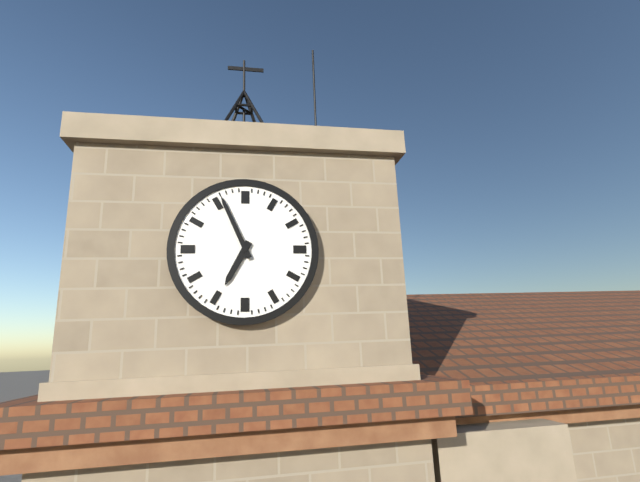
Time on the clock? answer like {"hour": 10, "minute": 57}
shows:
{"hour": 6, "minute": 56}
